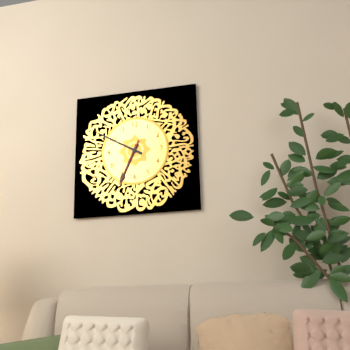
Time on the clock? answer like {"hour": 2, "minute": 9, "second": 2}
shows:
{"hour": 6, "minute": 50, "second": 34}
